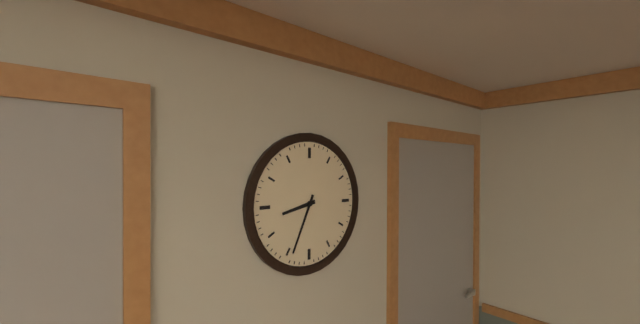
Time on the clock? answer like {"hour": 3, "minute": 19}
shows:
{"hour": 8, "minute": 34}
